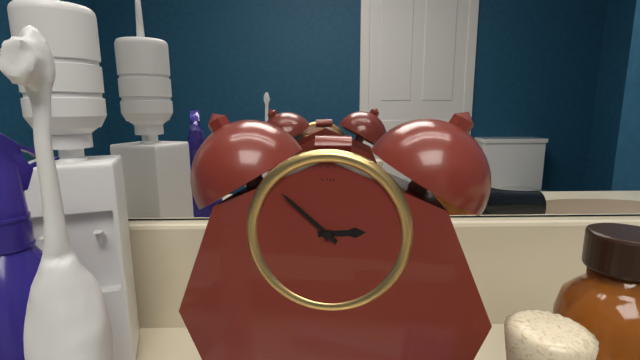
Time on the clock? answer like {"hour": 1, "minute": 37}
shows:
{"hour": 2, "minute": 52}
